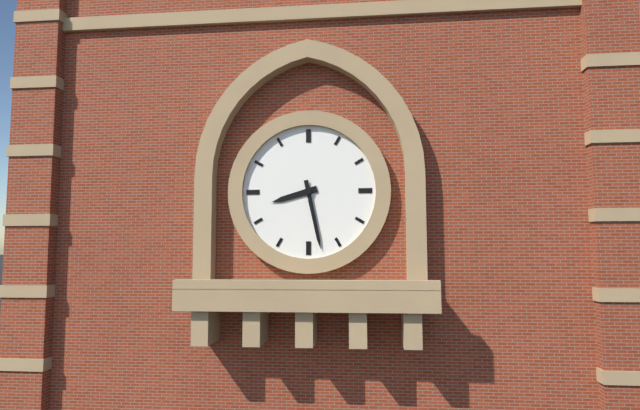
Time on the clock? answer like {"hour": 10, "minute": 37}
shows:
{"hour": 8, "minute": 28}
